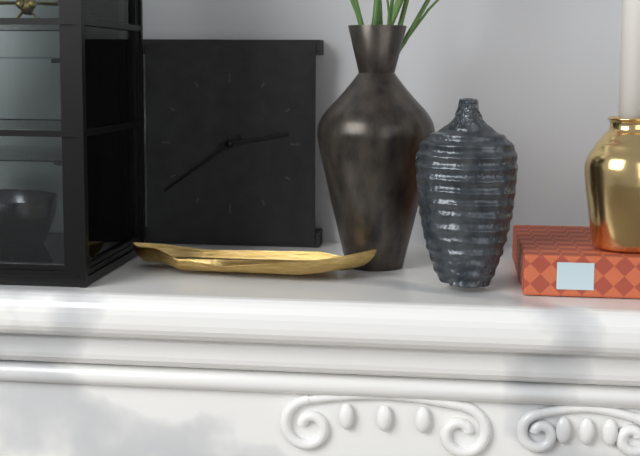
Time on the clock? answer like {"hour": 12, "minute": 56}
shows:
{"hour": 2, "minute": 39}
